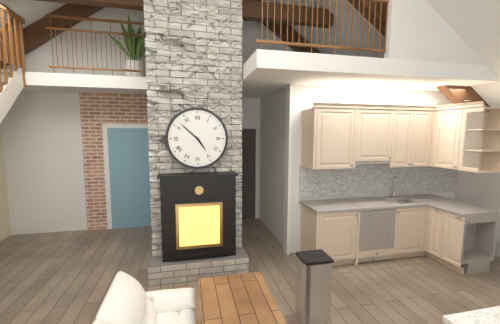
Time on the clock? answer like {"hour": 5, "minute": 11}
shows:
{"hour": 4, "minute": 52}
